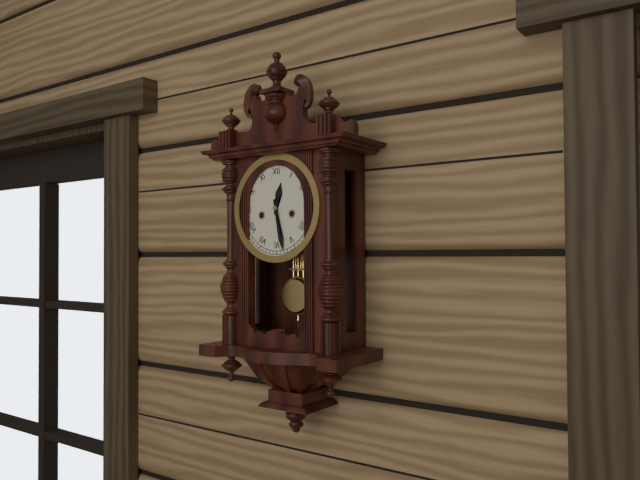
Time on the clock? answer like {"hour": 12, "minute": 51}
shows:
{"hour": 12, "minute": 28}
